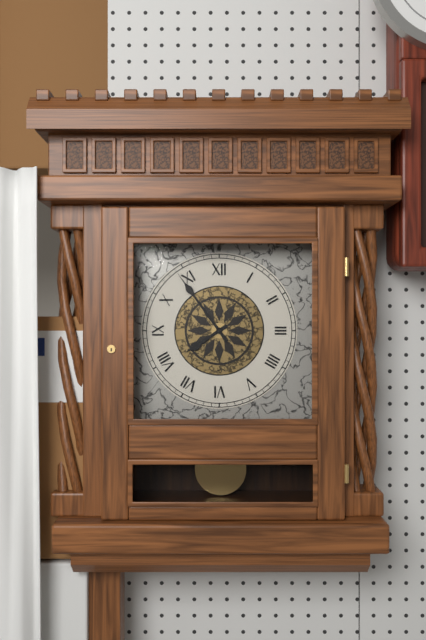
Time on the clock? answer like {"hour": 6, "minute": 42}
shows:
{"hour": 7, "minute": 54}
